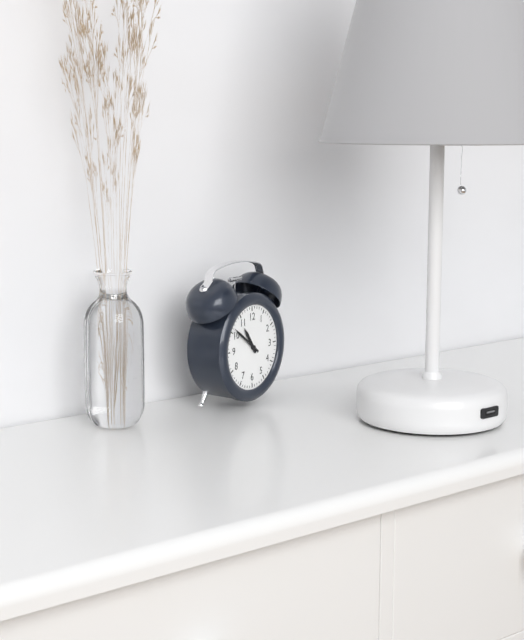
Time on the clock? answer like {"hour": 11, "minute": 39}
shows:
{"hour": 10, "minute": 51}
